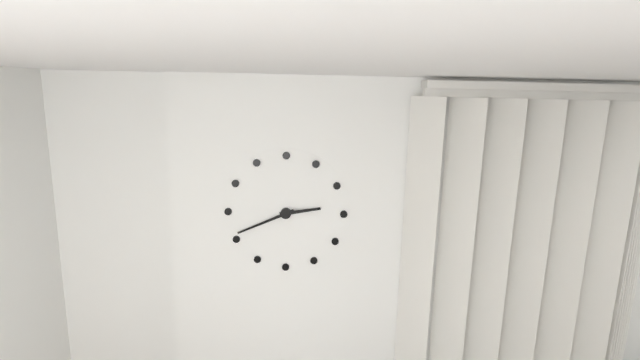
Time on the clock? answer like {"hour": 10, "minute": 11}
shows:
{"hour": 2, "minute": 41}
